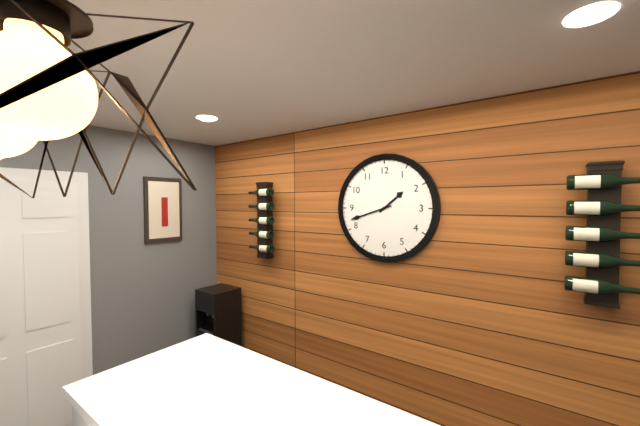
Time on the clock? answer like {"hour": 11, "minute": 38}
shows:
{"hour": 1, "minute": 42}
